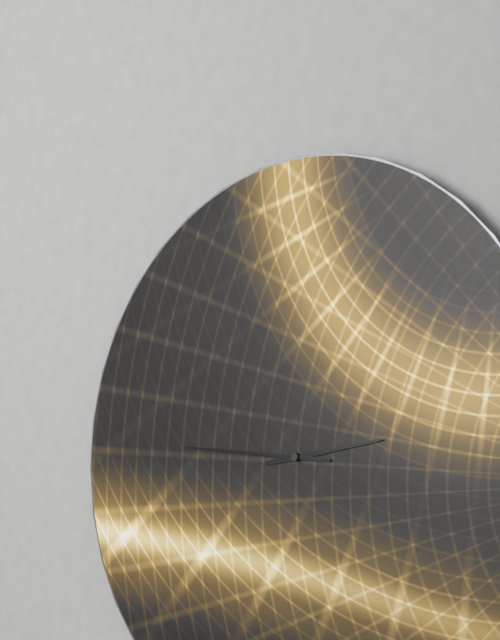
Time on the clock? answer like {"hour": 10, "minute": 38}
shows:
{"hour": 2, "minute": 46}
